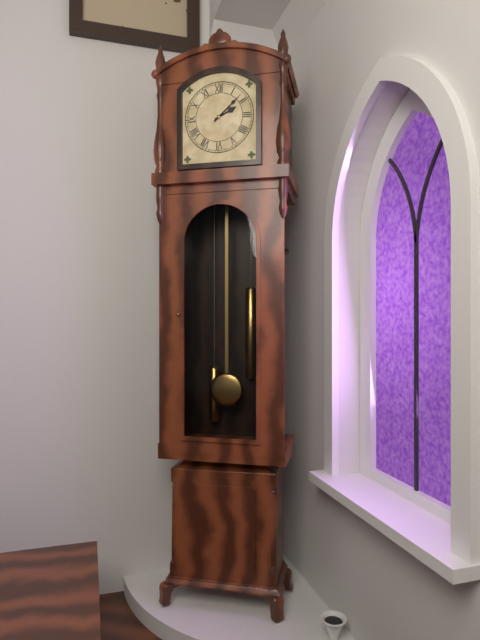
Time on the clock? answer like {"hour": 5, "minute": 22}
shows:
{"hour": 2, "minute": 8}
